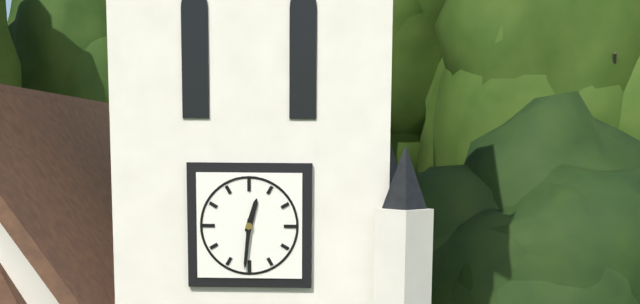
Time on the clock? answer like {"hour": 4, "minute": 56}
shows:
{"hour": 12, "minute": 31}
